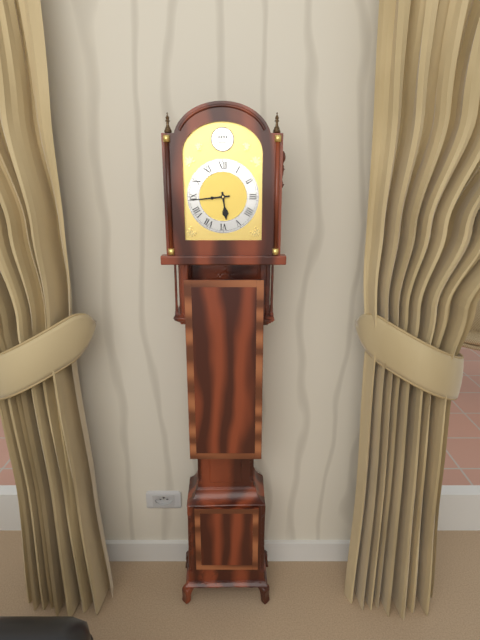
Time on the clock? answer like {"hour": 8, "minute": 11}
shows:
{"hour": 5, "minute": 44}
